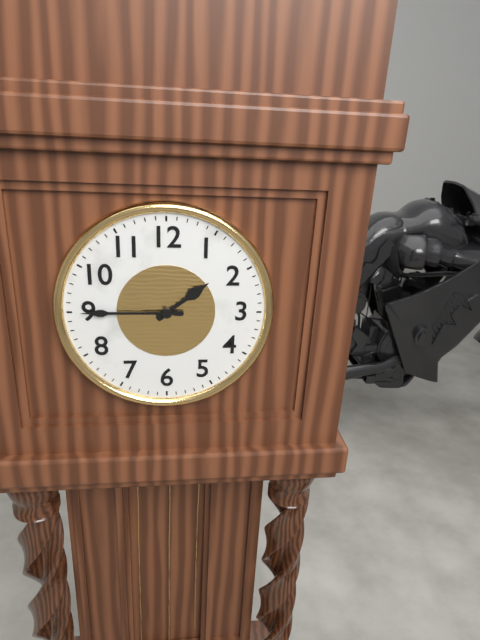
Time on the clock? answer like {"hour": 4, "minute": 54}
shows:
{"hour": 1, "minute": 45}
